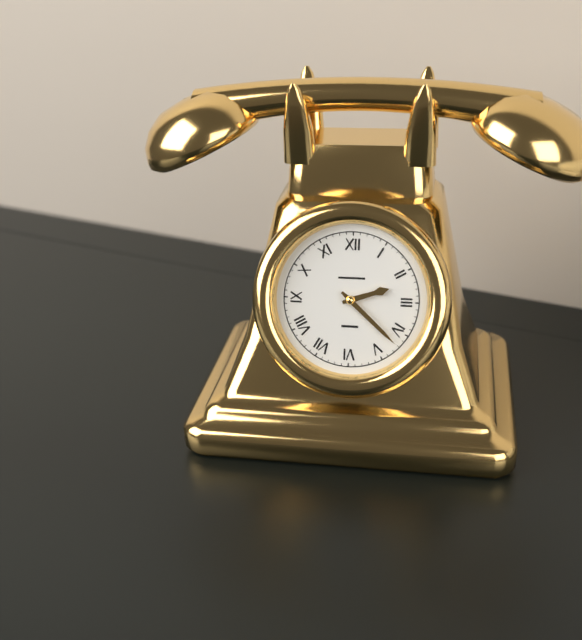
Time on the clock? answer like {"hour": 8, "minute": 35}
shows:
{"hour": 2, "minute": 22}
